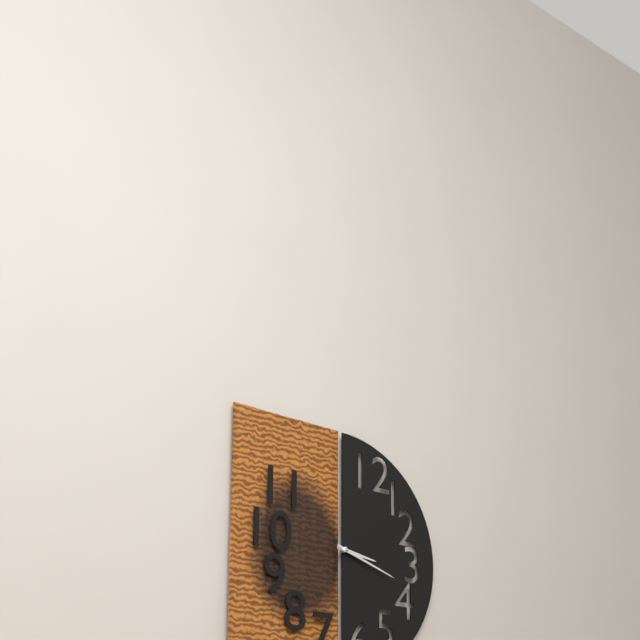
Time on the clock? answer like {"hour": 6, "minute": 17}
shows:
{"hour": 3, "minute": 18}
